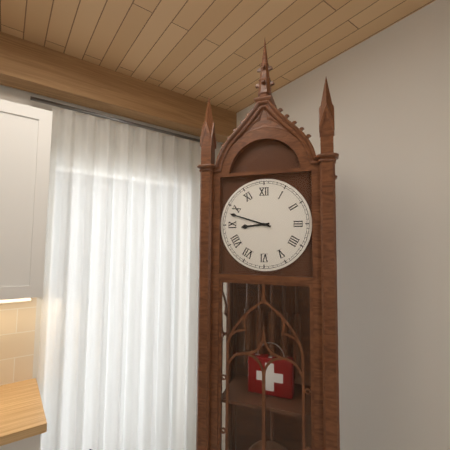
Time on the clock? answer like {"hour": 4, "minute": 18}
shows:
{"hour": 8, "minute": 48}
